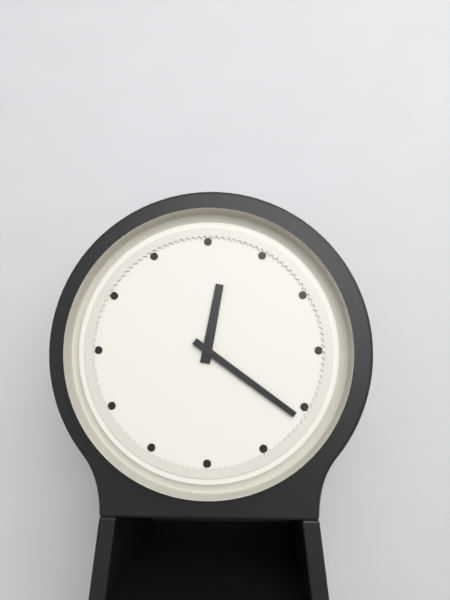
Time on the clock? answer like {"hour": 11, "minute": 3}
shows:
{"hour": 12, "minute": 21}
